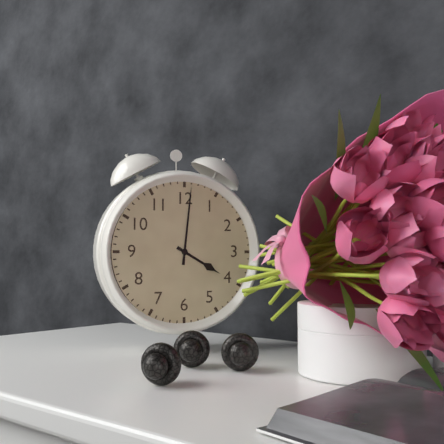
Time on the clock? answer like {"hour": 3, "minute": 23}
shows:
{"hour": 4, "minute": 1}
